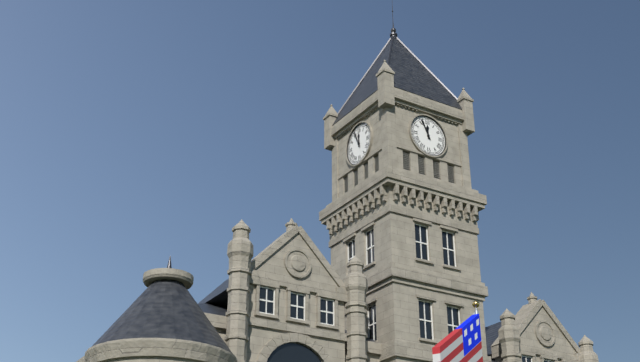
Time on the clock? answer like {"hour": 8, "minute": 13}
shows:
{"hour": 11, "minute": 56}
